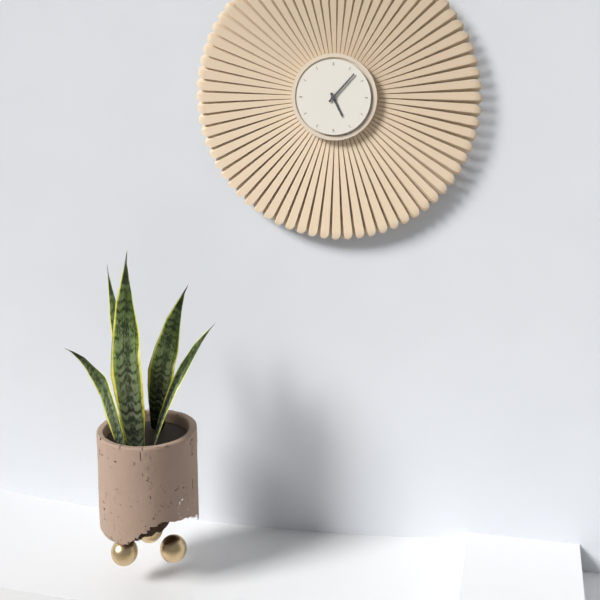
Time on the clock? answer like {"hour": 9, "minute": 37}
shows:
{"hour": 5, "minute": 7}
